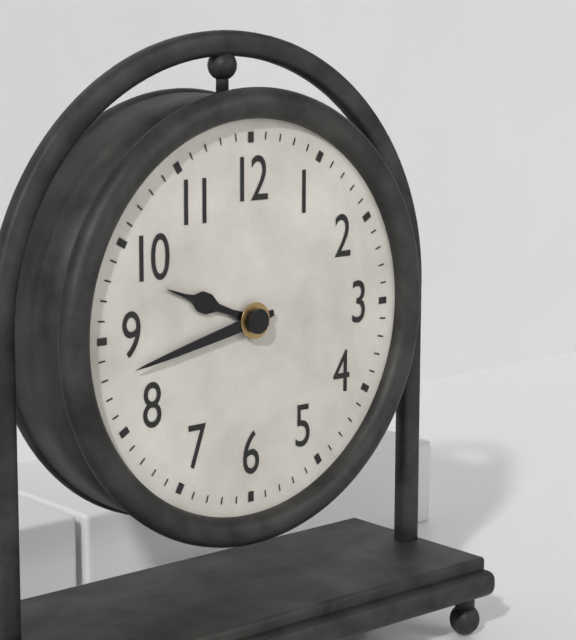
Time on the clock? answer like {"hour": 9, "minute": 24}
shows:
{"hour": 9, "minute": 43}
